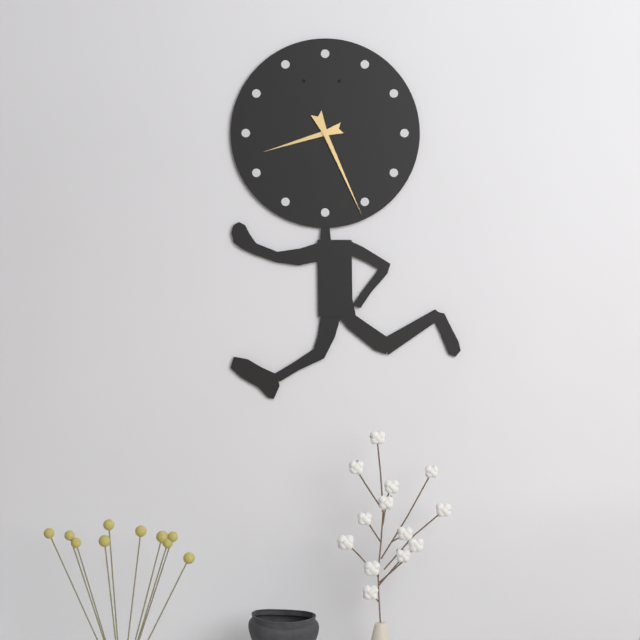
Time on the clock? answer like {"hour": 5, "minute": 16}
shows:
{"hour": 8, "minute": 26}
